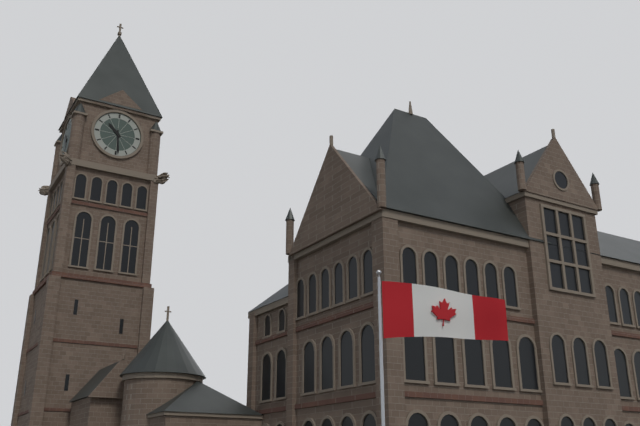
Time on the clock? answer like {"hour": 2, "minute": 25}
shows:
{"hour": 10, "minute": 29}
